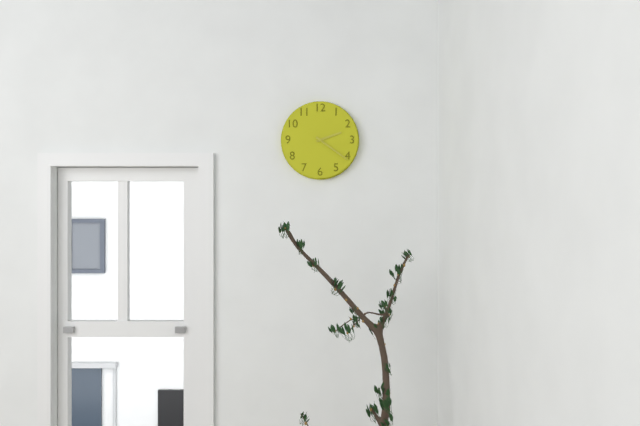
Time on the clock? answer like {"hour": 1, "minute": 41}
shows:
{"hour": 2, "minute": 21}
